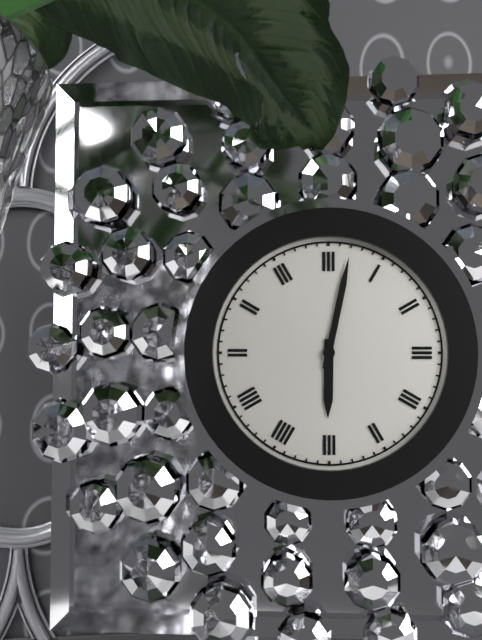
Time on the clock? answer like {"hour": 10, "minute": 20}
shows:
{"hour": 6, "minute": 2}
